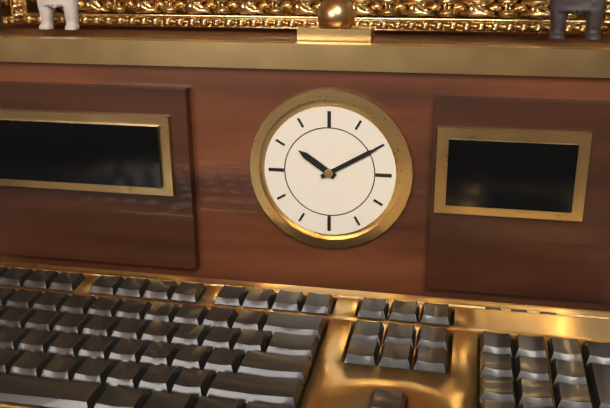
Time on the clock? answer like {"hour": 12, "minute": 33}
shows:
{"hour": 10, "minute": 10}
